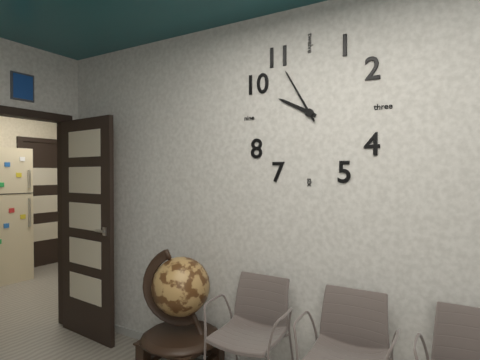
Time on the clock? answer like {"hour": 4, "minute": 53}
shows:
{"hour": 9, "minute": 55}
